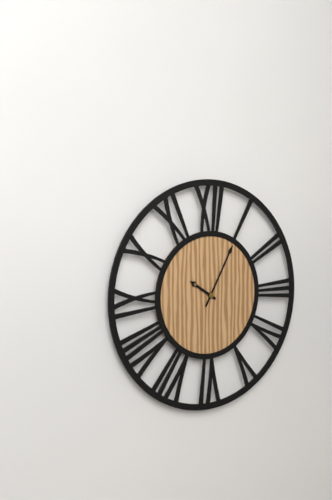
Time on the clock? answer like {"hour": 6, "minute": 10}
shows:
{"hour": 10, "minute": 5}
